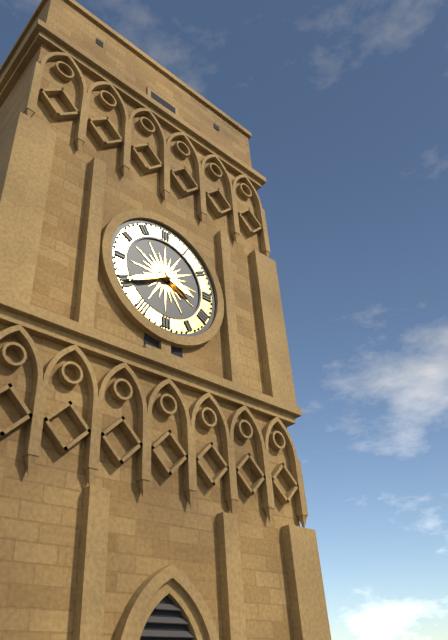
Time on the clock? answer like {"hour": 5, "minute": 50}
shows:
{"hour": 3, "minute": 40}
